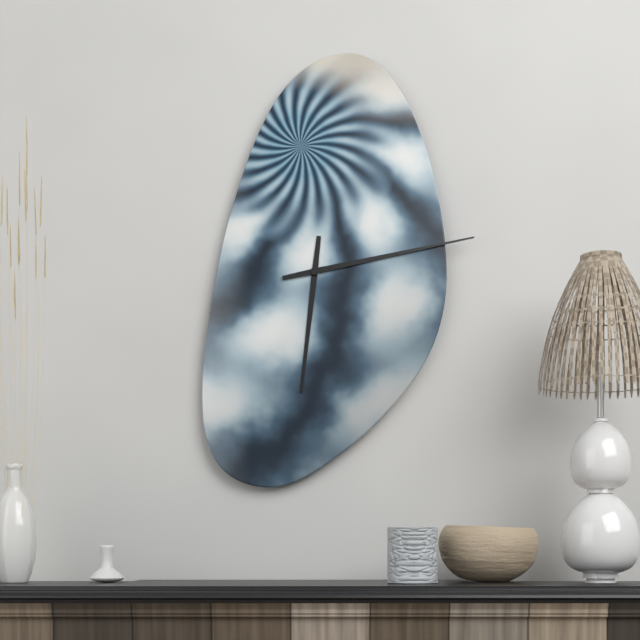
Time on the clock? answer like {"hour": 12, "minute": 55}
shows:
{"hour": 6, "minute": 13}
